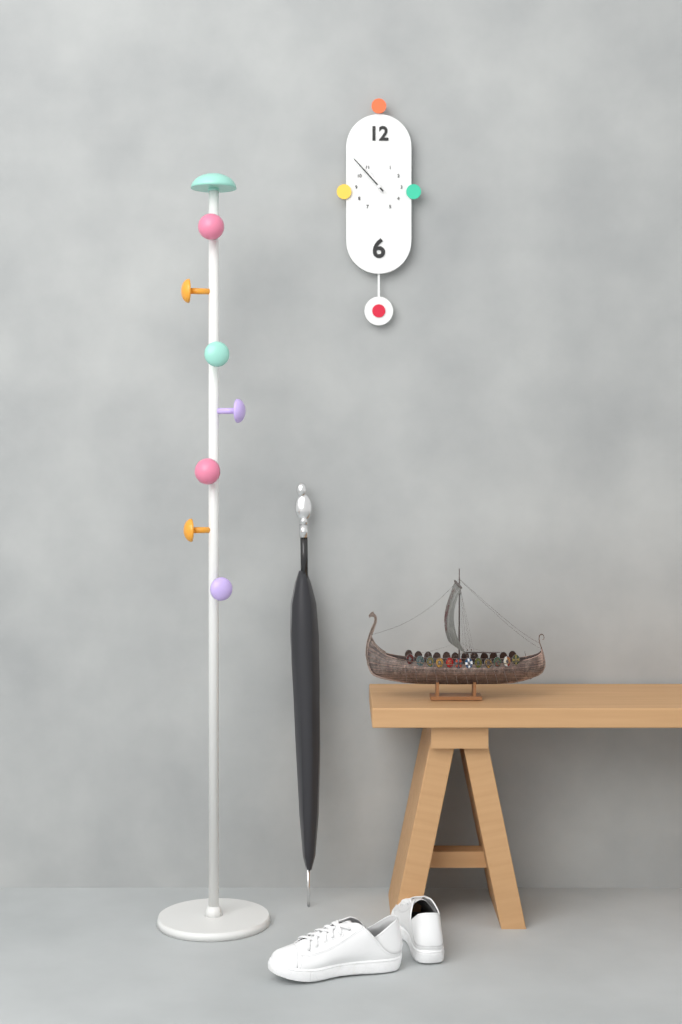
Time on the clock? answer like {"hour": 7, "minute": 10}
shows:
{"hour": 10, "minute": 53}
